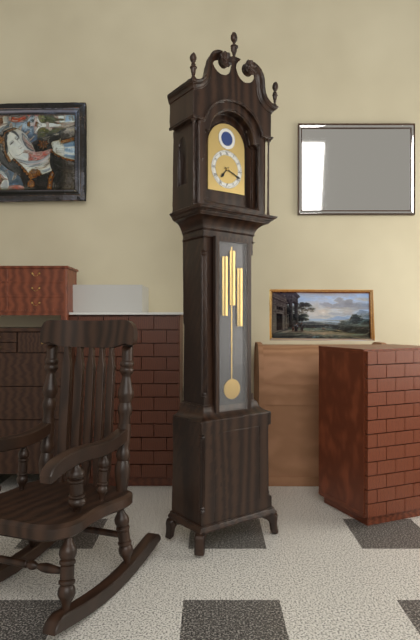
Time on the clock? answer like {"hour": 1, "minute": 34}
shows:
{"hour": 7, "minute": 19}
